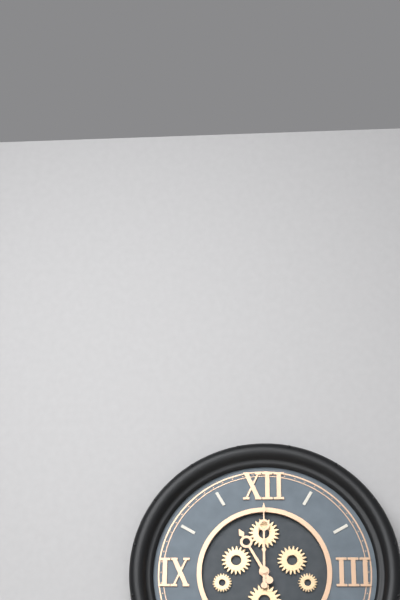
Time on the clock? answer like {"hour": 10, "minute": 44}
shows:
{"hour": 11, "minute": 0}
